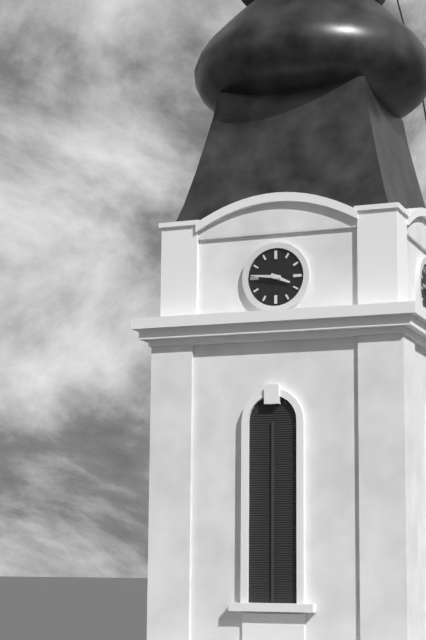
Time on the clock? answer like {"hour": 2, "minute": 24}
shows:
{"hour": 3, "minute": 46}
